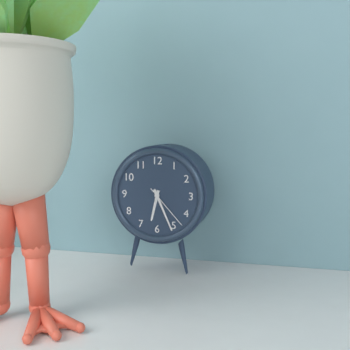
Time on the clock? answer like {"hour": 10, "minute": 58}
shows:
{"hour": 6, "minute": 26}
